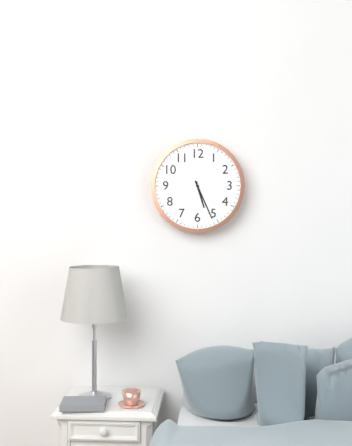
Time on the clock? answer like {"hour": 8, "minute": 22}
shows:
{"hour": 5, "minute": 26}
